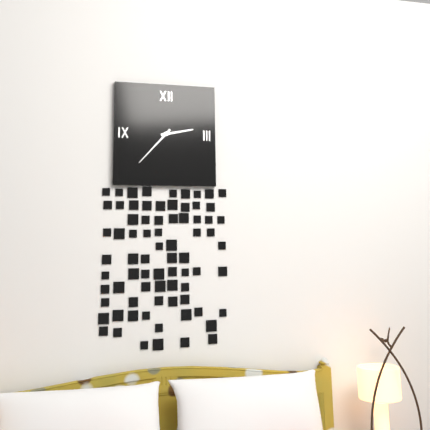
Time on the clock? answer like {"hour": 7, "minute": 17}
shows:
{"hour": 2, "minute": 37}
